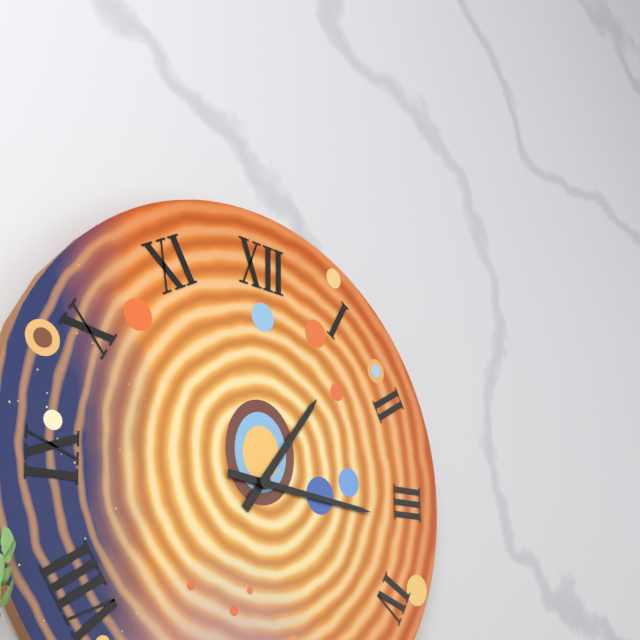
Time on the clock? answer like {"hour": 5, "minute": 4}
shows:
{"hour": 1, "minute": 16}
